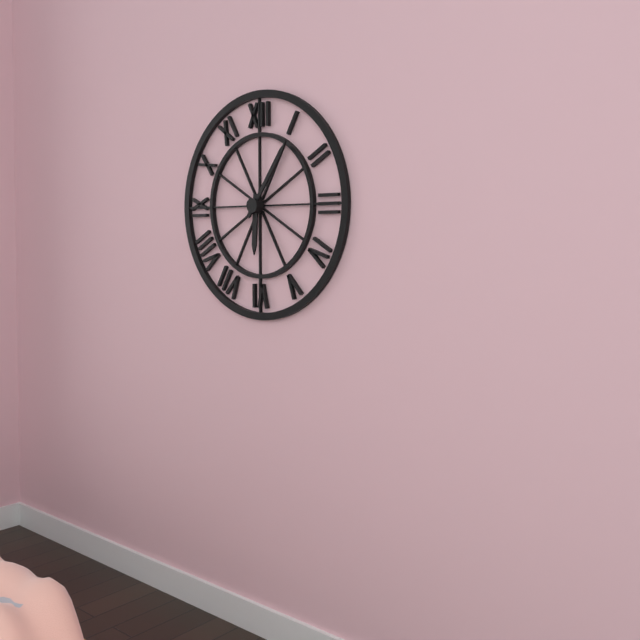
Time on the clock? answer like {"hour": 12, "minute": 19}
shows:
{"hour": 6, "minute": 6}
